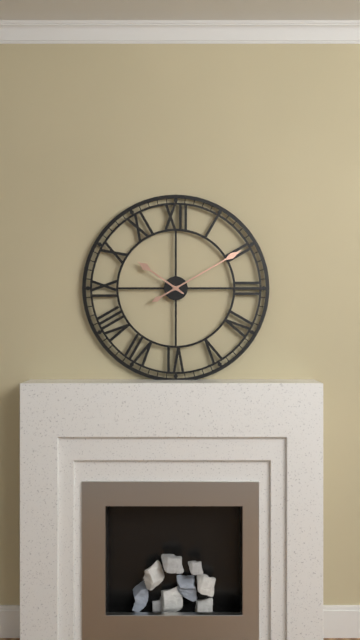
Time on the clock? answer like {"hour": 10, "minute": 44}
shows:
{"hour": 10, "minute": 10}
